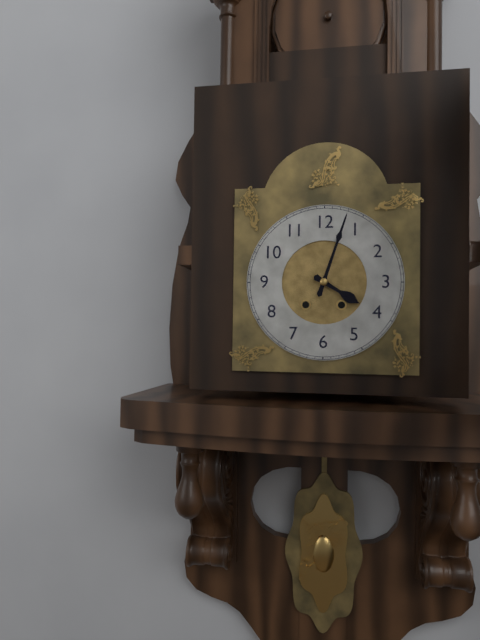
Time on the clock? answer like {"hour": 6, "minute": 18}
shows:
{"hour": 4, "minute": 3}
